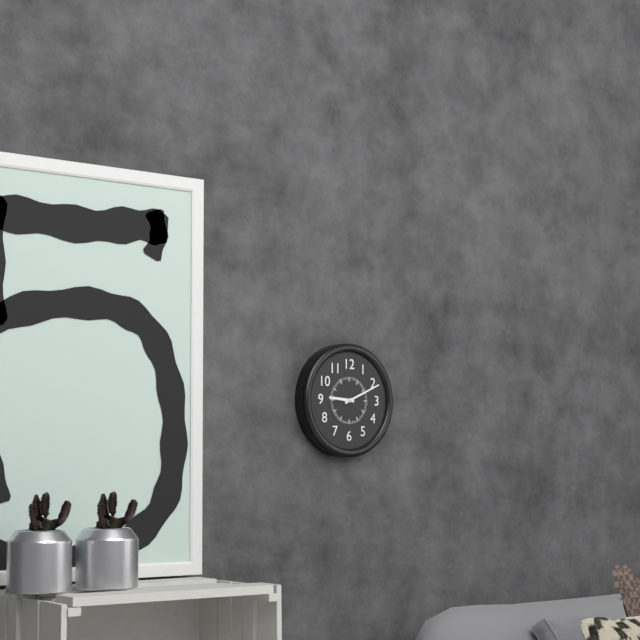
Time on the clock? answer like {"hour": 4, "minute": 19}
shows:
{"hour": 9, "minute": 11}
